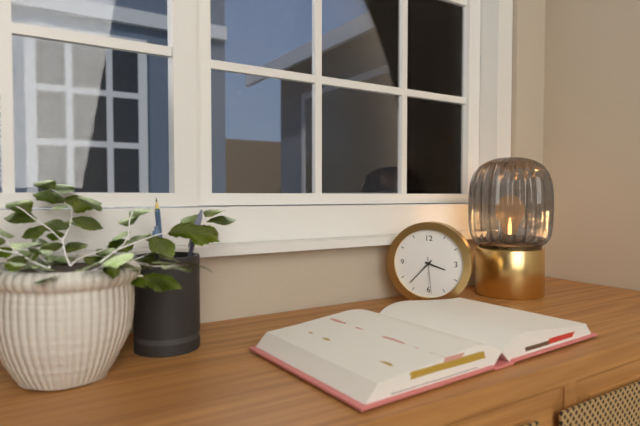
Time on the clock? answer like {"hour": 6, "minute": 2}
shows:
{"hour": 3, "minute": 37}
